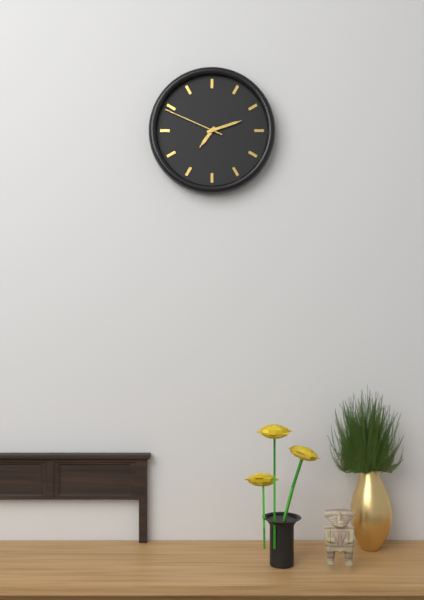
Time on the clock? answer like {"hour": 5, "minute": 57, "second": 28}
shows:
{"hour": 7, "minute": 12, "second": 49}
